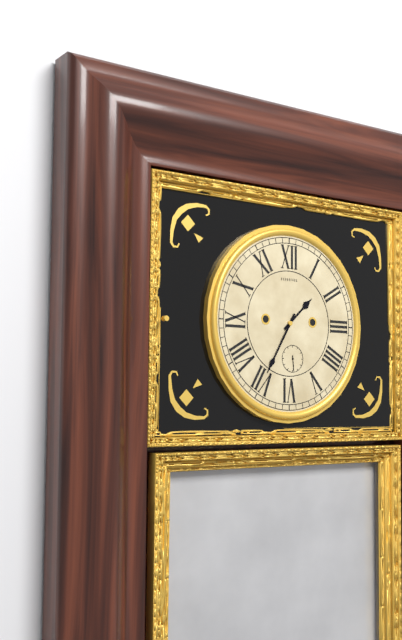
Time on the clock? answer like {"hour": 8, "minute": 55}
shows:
{"hour": 1, "minute": 35}
